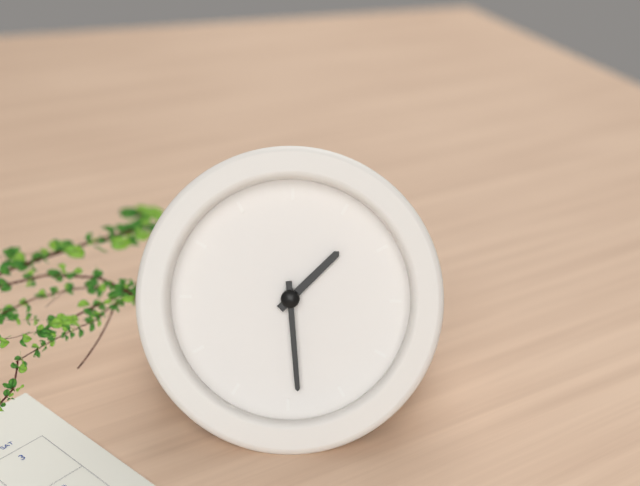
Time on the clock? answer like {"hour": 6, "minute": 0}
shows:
{"hour": 1, "minute": 29}
